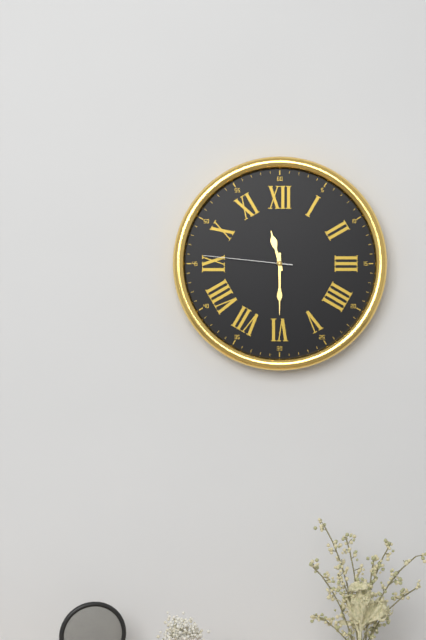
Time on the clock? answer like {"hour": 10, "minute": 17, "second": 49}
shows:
{"hour": 11, "minute": 30, "second": 46}
